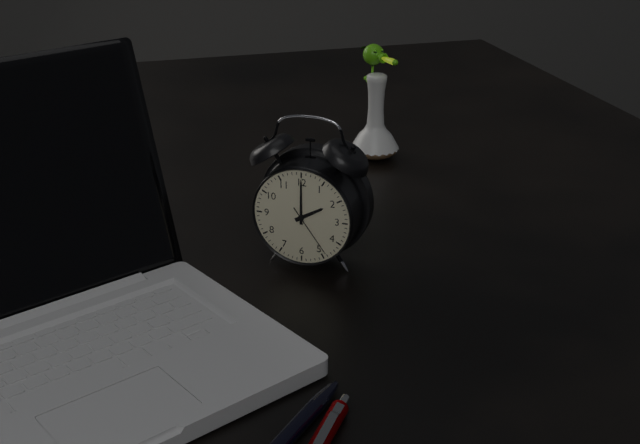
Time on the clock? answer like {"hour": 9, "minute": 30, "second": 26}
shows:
{"hour": 2, "minute": 0, "second": 24}
